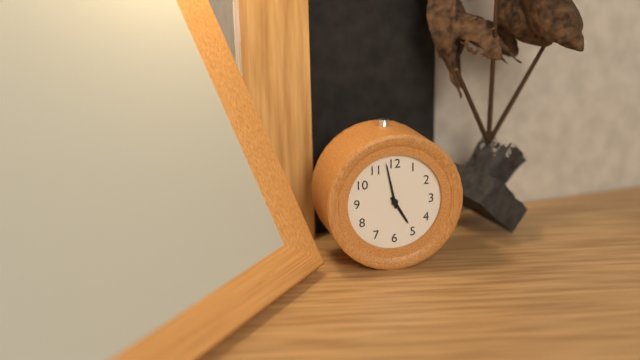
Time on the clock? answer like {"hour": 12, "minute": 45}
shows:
{"hour": 4, "minute": 58}
